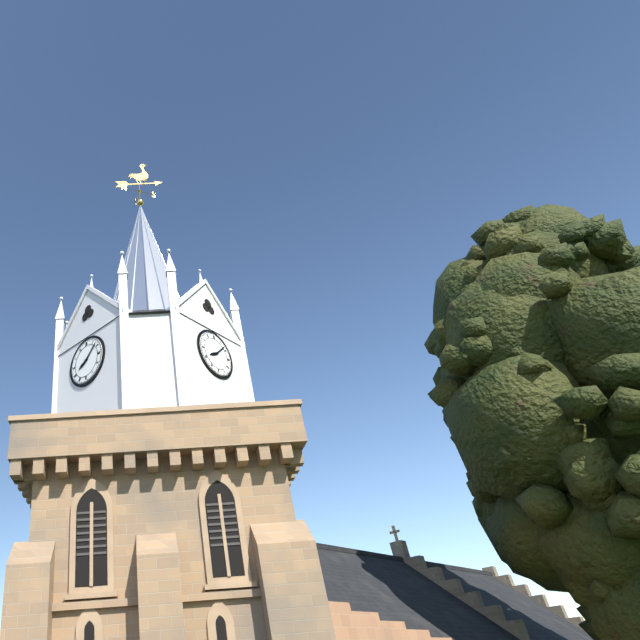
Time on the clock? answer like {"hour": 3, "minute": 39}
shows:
{"hour": 8, "minute": 8}
